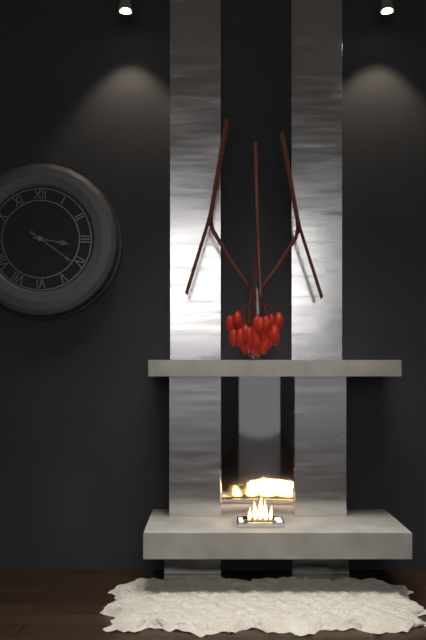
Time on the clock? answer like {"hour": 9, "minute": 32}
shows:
{"hour": 3, "minute": 21}
